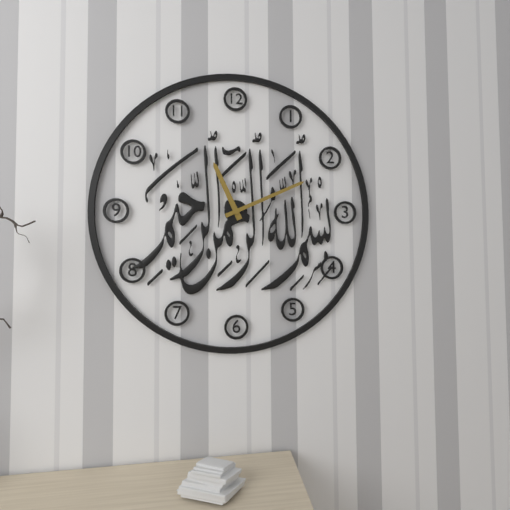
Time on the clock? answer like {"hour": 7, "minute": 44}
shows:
{"hour": 11, "minute": 11}
